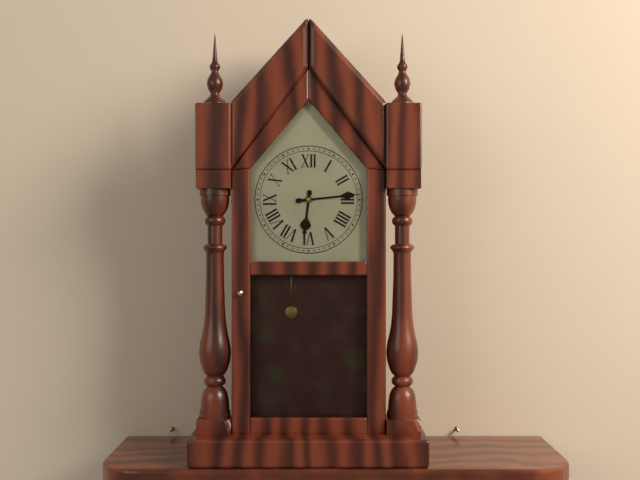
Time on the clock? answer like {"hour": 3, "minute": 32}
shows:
{"hour": 6, "minute": 14}
